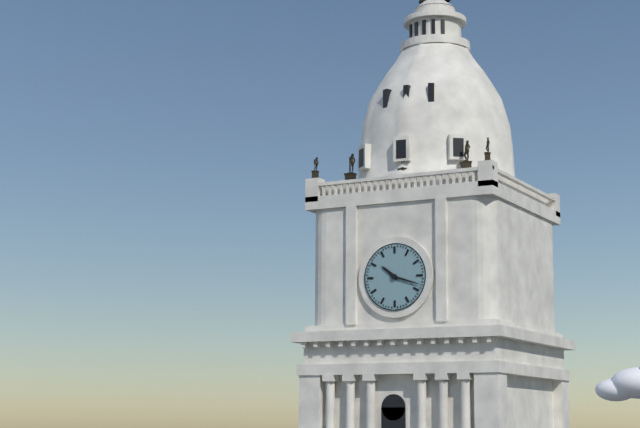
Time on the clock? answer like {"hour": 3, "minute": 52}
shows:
{"hour": 10, "minute": 18}
